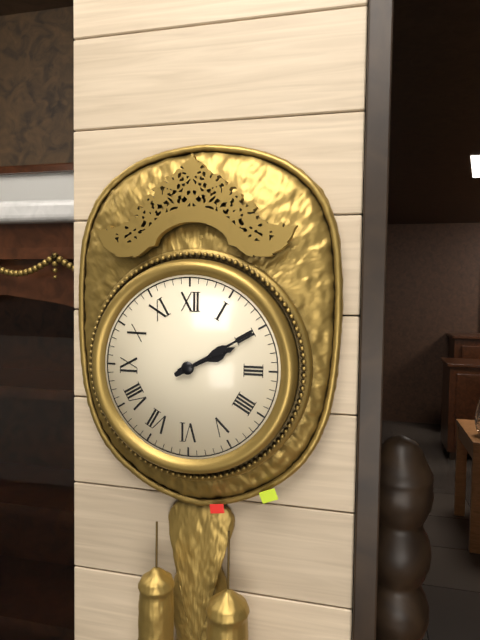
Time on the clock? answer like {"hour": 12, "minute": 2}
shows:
{"hour": 2, "minute": 10}
